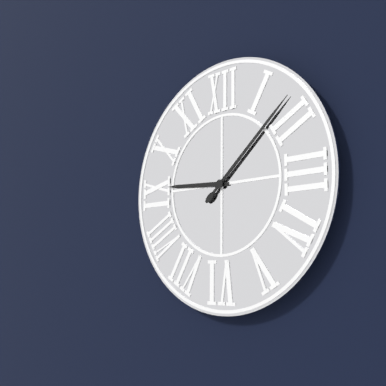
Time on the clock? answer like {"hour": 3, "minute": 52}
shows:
{"hour": 9, "minute": 8}
